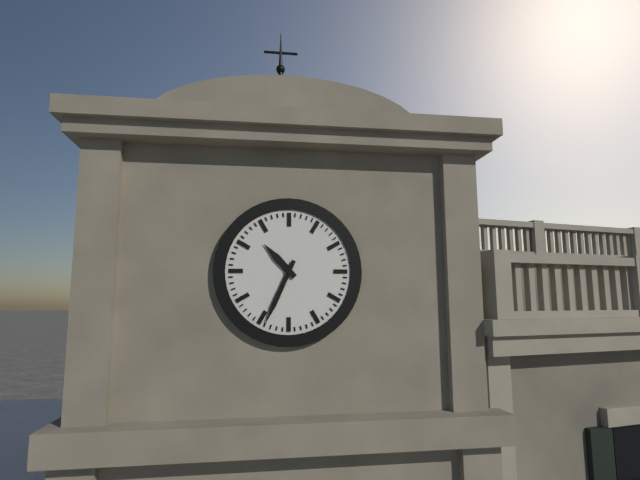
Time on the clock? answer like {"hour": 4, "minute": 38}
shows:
{"hour": 10, "minute": 34}
